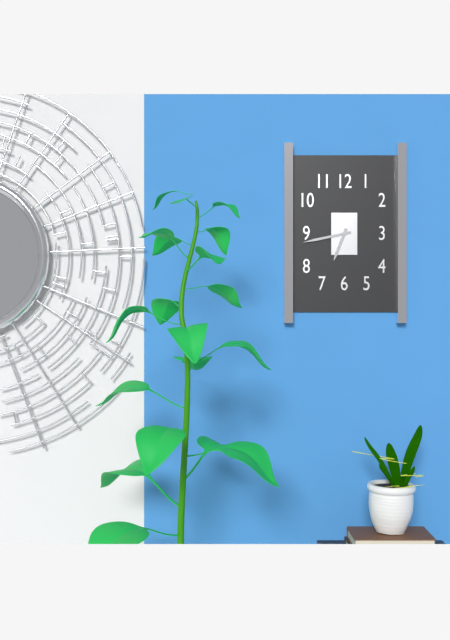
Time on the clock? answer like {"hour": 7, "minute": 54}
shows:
{"hour": 6, "minute": 43}
